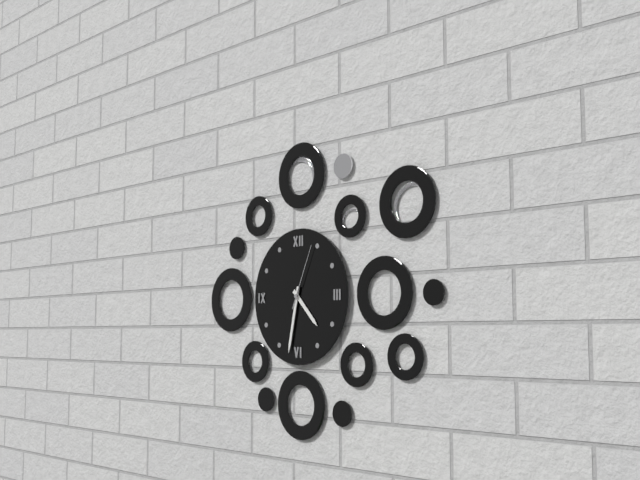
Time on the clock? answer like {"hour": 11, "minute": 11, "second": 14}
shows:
{"hour": 4, "minute": 32, "second": 4}
